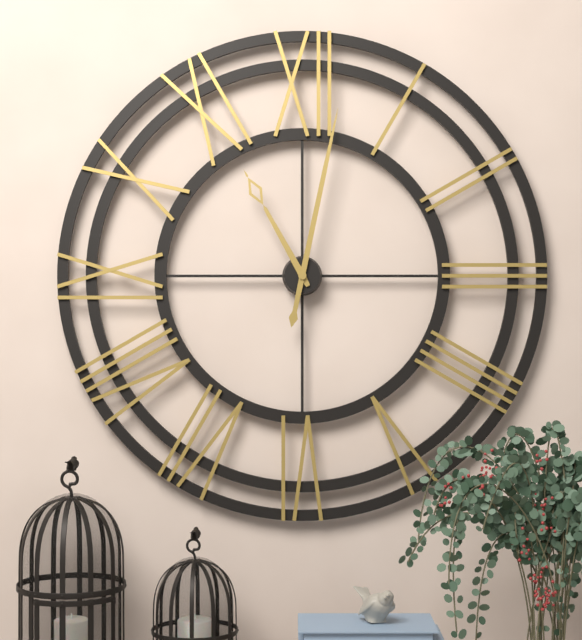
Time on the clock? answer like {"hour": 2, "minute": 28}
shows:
{"hour": 11, "minute": 2}
